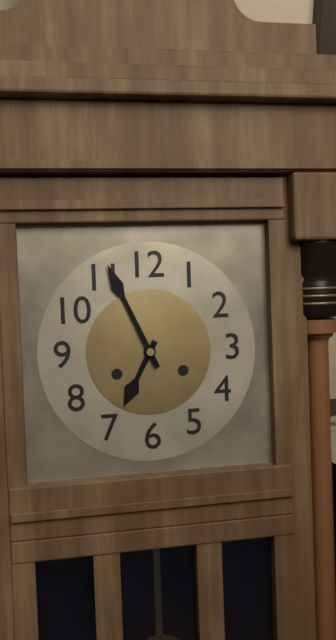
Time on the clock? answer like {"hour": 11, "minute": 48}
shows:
{"hour": 6, "minute": 56}
